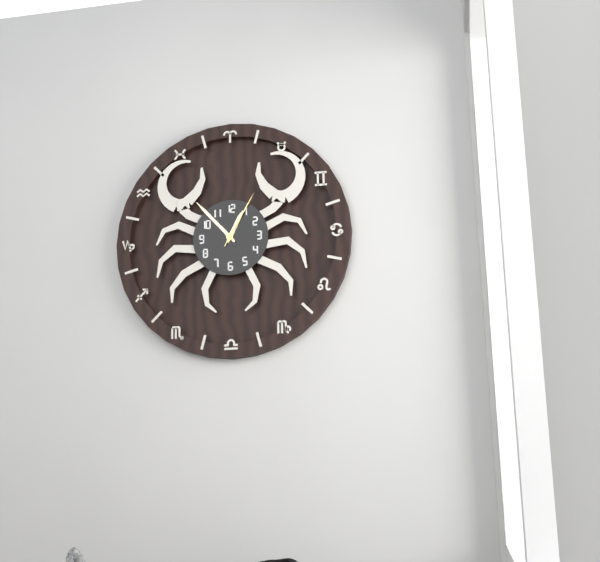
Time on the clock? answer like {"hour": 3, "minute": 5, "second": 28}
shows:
{"hour": 12, "minute": 53, "second": 5}
